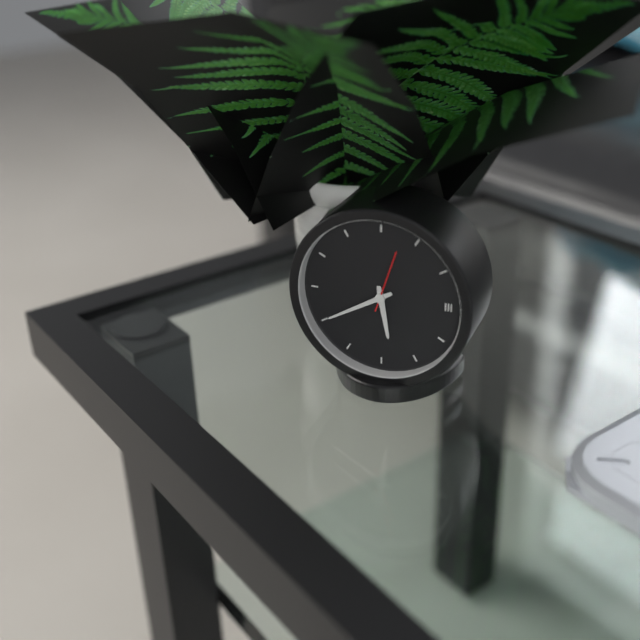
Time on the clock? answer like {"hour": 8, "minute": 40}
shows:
{"hour": 5, "minute": 40}
